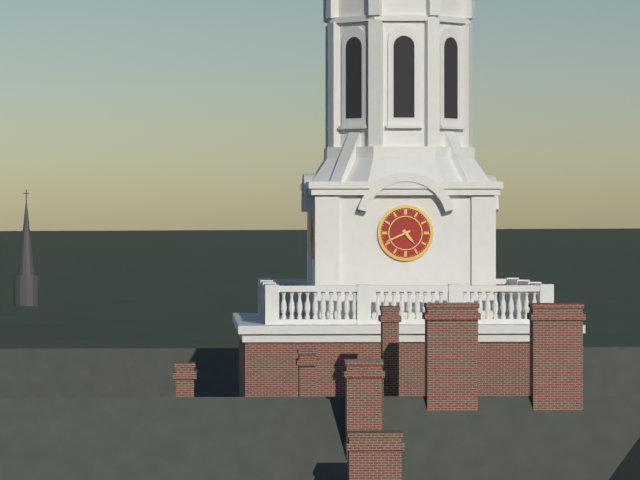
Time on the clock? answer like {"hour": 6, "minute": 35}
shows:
{"hour": 4, "minute": 41}
